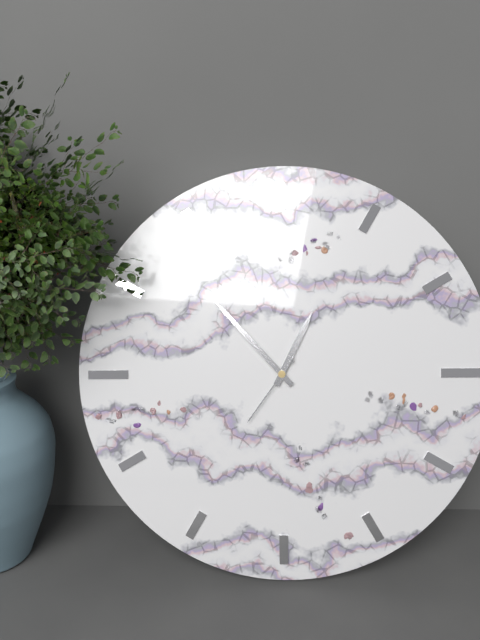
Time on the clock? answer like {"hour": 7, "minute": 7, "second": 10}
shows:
{"hour": 12, "minute": 53, "second": 36}
